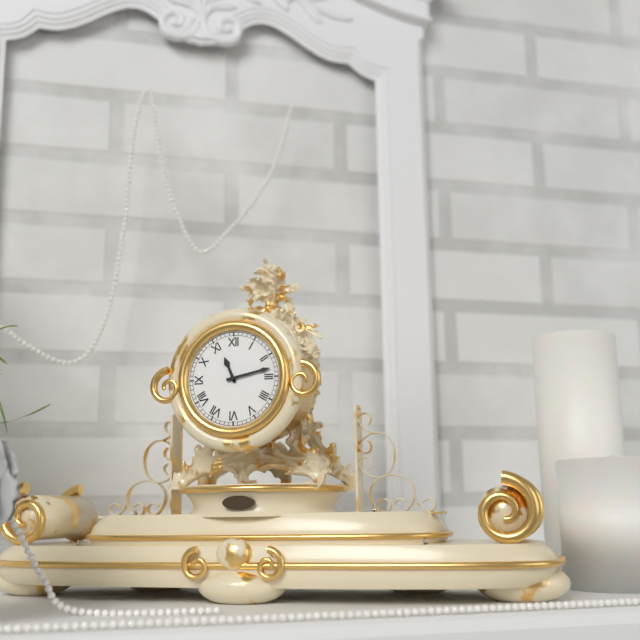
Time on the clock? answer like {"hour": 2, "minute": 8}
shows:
{"hour": 11, "minute": 13}
